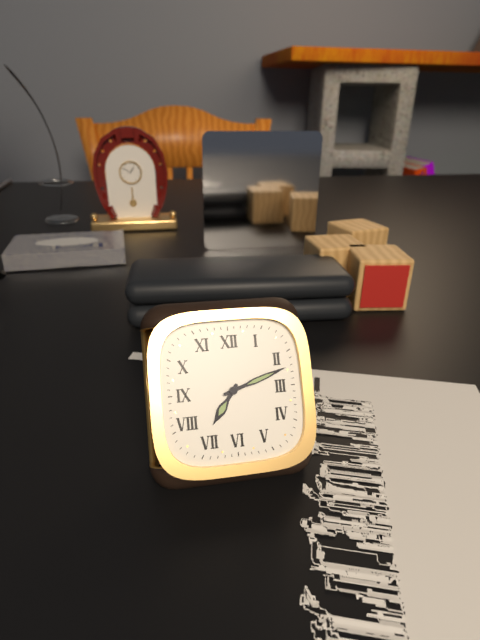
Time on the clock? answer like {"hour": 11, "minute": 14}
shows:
{"hour": 7, "minute": 12}
